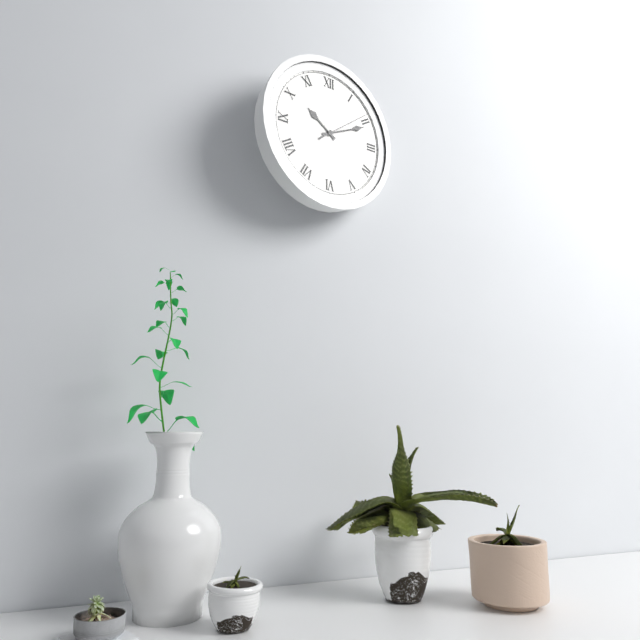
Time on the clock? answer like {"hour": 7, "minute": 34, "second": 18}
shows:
{"hour": 10, "minute": 11, "second": 9}
